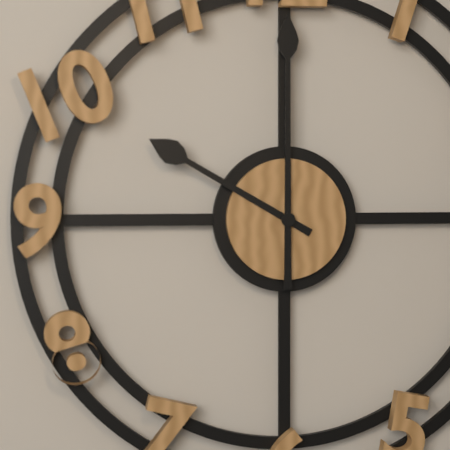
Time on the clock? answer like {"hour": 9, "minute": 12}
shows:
{"hour": 10, "minute": 0}
